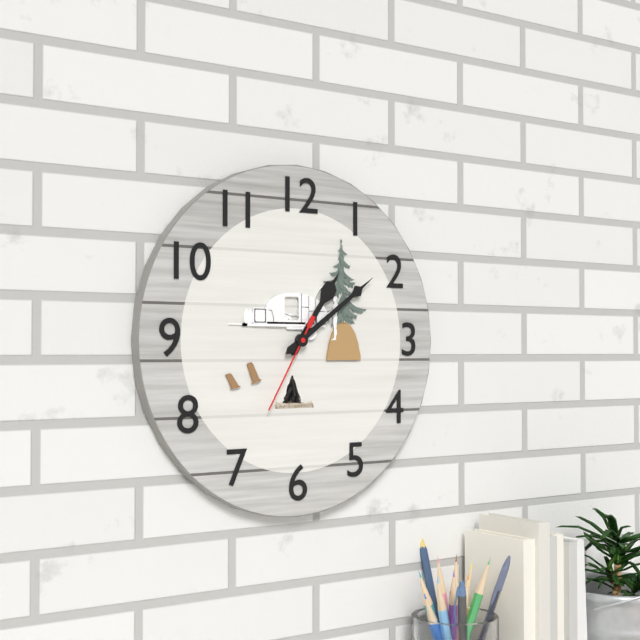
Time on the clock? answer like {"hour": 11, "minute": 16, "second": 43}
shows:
{"hour": 1, "minute": 9, "second": 35}
